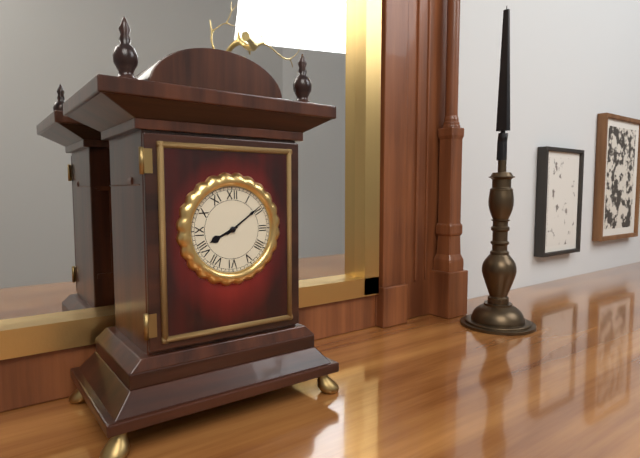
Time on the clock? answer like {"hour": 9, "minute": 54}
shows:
{"hour": 8, "minute": 9}
